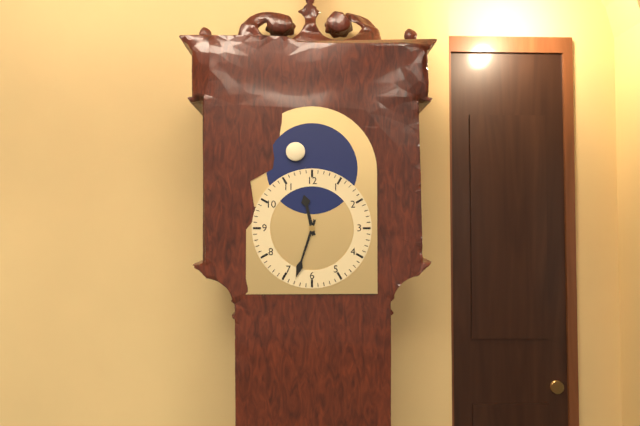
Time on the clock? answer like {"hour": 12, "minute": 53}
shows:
{"hour": 11, "minute": 33}
